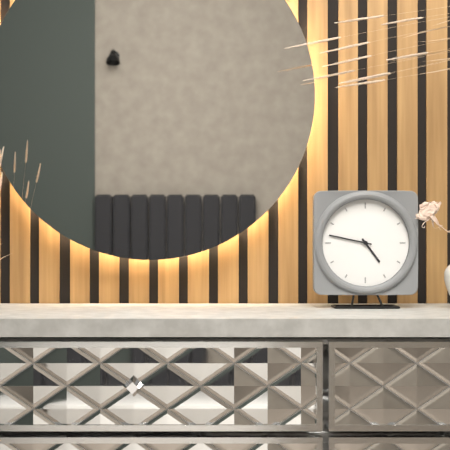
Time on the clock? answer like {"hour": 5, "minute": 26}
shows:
{"hour": 4, "minute": 47}
